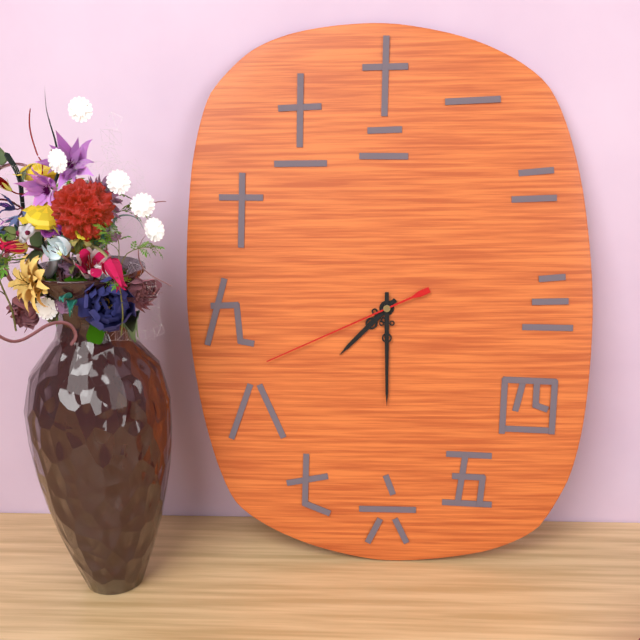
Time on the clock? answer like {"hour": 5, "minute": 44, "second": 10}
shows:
{"hour": 7, "minute": 30, "second": 41}
